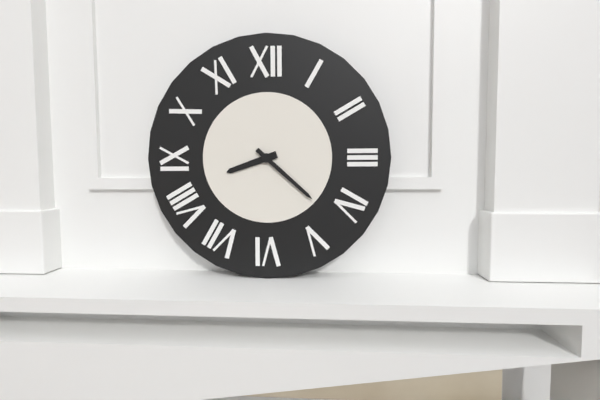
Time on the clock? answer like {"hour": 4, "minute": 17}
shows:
{"hour": 8, "minute": 22}
